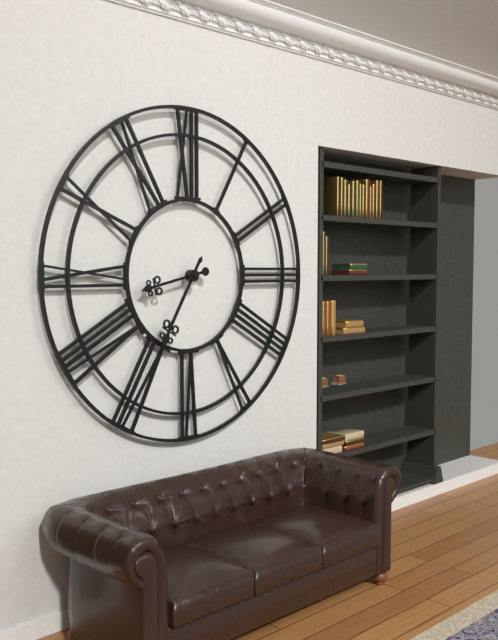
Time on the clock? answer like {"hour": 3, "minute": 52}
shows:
{"hour": 8, "minute": 35}
